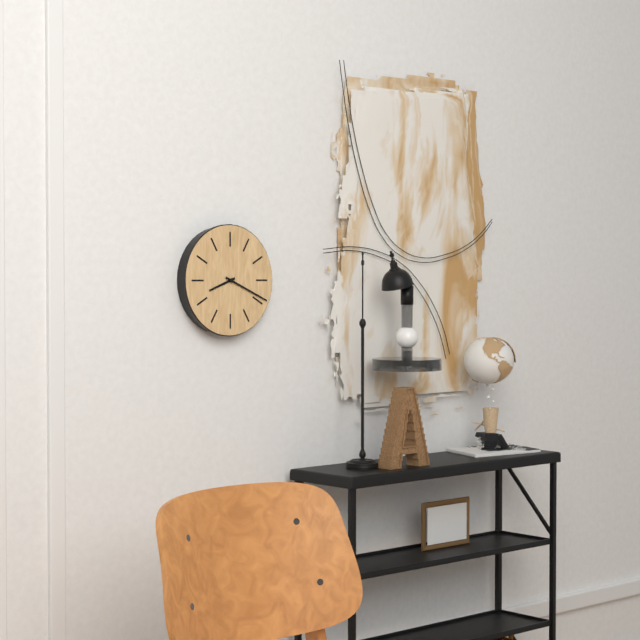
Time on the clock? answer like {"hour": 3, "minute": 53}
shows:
{"hour": 8, "minute": 19}
